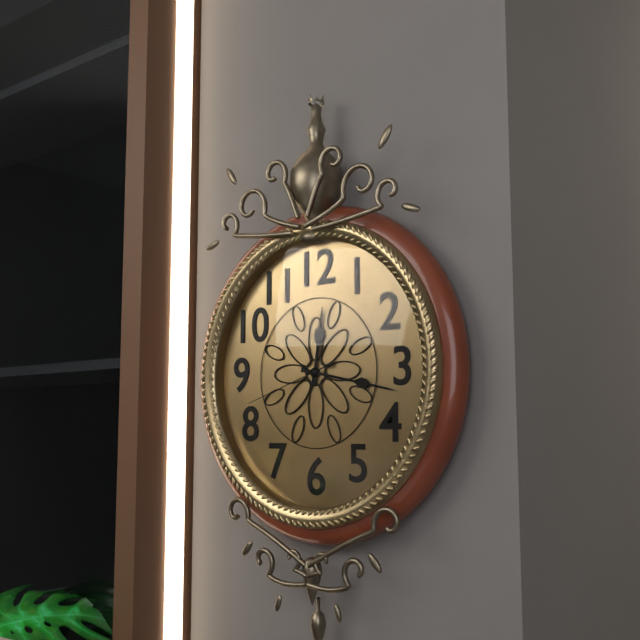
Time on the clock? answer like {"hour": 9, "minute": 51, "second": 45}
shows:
{"hour": 12, "minute": 17, "second": 42}
